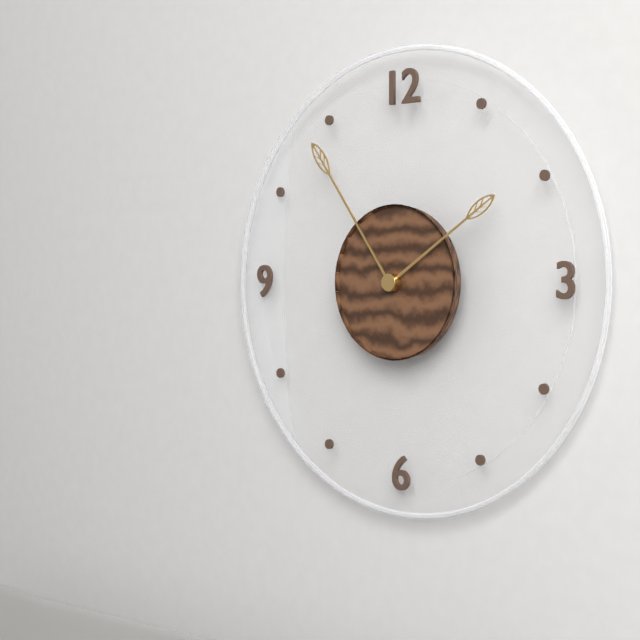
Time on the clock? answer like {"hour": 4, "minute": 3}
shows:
{"hour": 1, "minute": 54}
